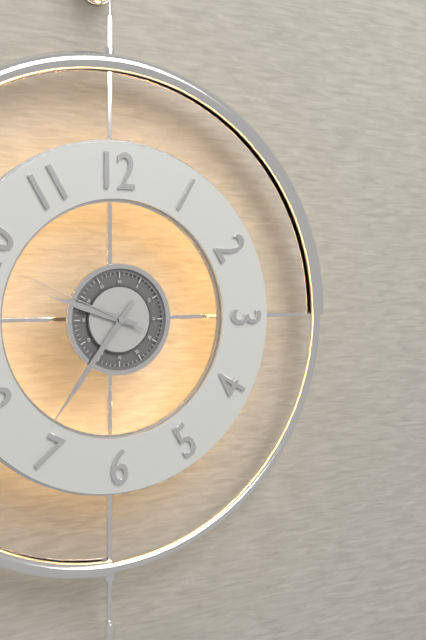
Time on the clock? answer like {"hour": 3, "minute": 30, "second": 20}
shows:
{"hour": 9, "minute": 36, "second": 49}
